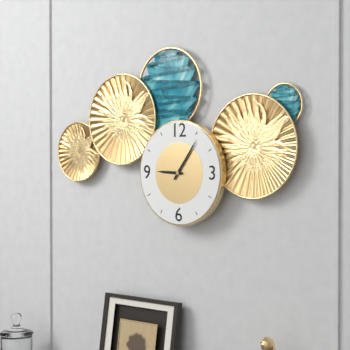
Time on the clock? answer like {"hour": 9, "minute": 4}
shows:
{"hour": 9, "minute": 6}
